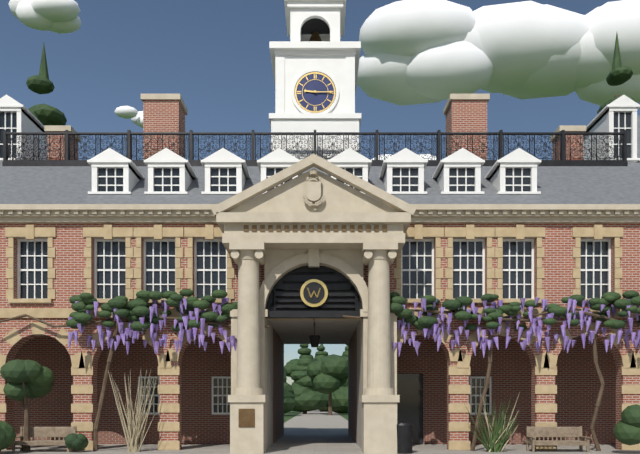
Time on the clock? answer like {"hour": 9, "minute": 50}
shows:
{"hour": 9, "minute": 15}
